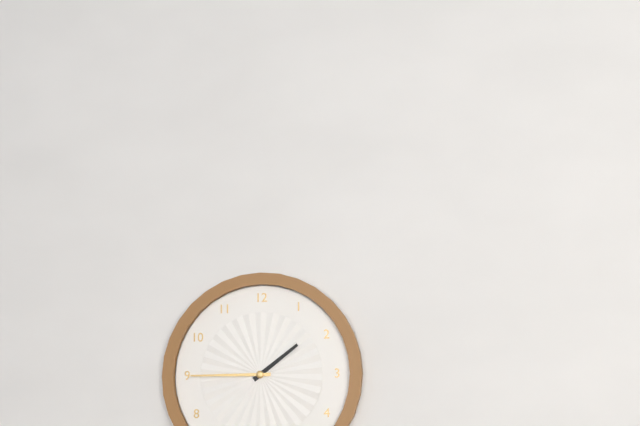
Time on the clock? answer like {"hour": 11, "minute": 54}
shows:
{"hour": 1, "minute": 45}
